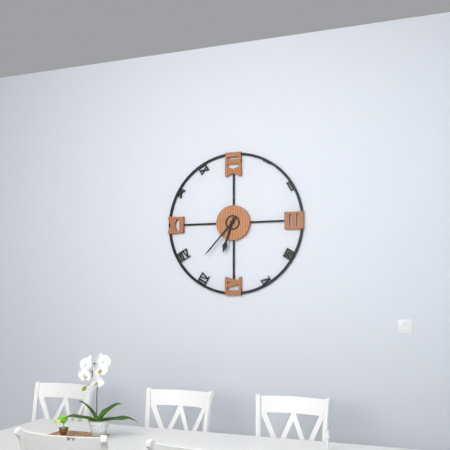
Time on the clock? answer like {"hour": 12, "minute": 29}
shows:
{"hour": 6, "minute": 37}
